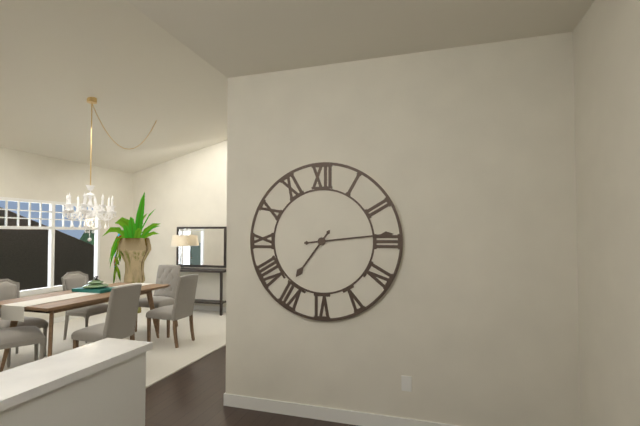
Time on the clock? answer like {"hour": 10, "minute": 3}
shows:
{"hour": 7, "minute": 14}
